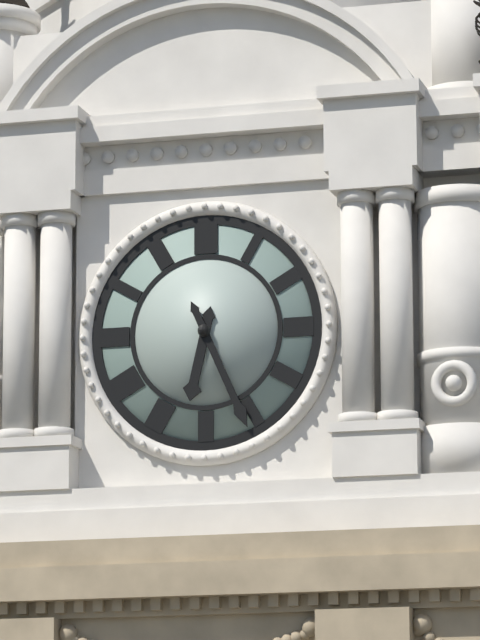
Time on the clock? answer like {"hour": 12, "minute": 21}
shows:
{"hour": 6, "minute": 26}
